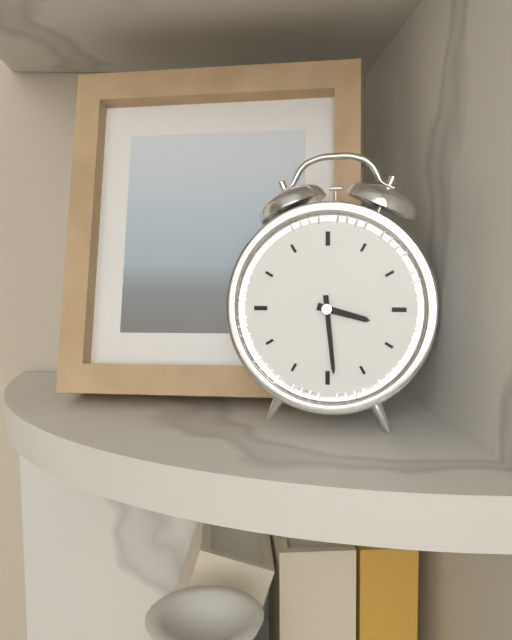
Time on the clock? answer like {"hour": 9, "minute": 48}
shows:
{"hour": 3, "minute": 29}
